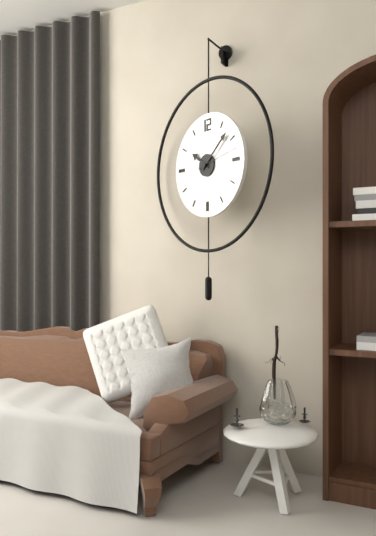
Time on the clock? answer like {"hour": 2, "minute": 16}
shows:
{"hour": 10, "minute": 8}
